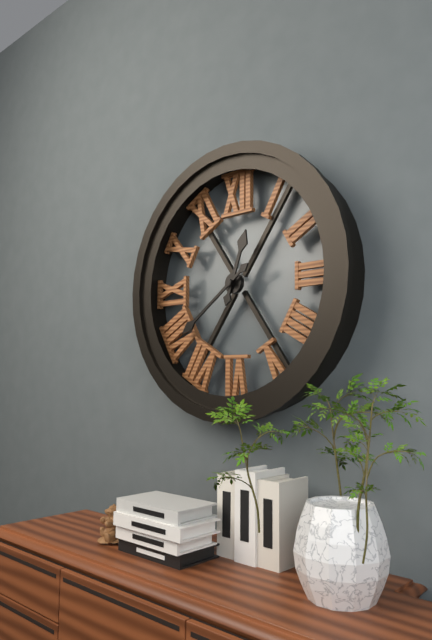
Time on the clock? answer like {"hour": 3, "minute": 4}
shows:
{"hour": 12, "minute": 39}
